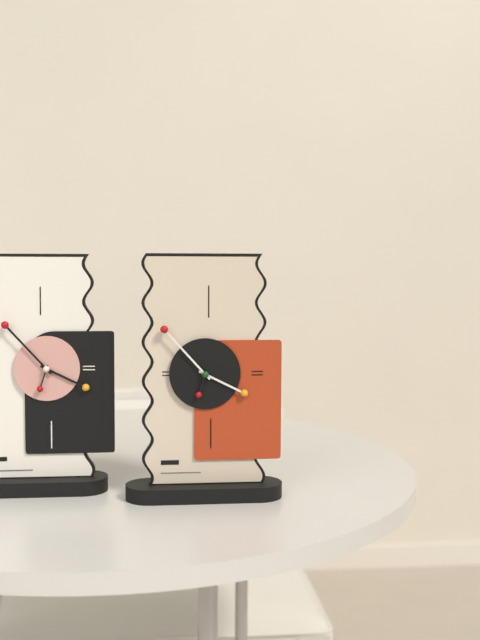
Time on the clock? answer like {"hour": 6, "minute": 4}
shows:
{"hour": 3, "minute": 53}
